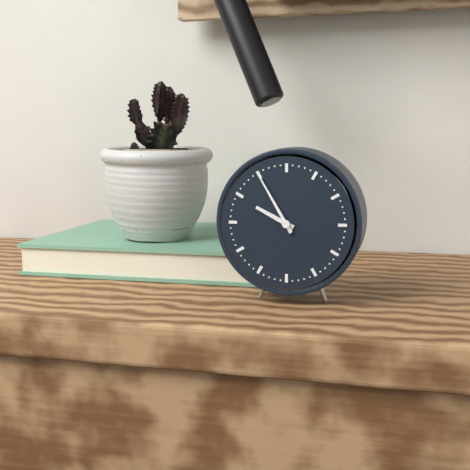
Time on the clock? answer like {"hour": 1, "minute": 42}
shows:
{"hour": 9, "minute": 55}
